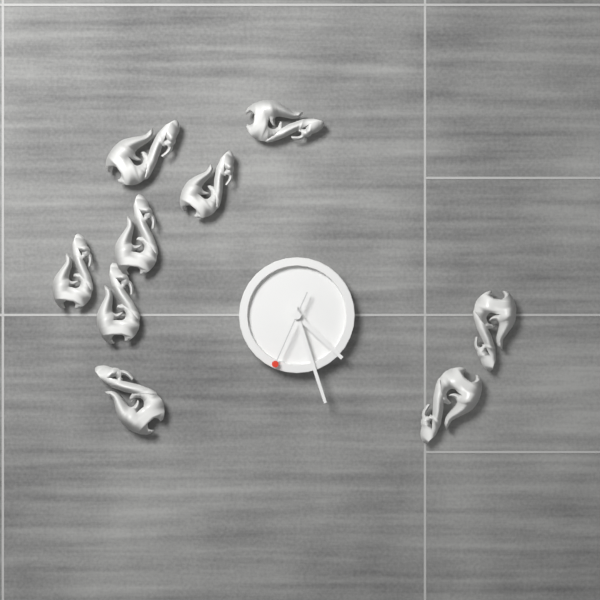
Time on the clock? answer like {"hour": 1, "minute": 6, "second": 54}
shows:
{"hour": 4, "minute": 27, "second": 34}
